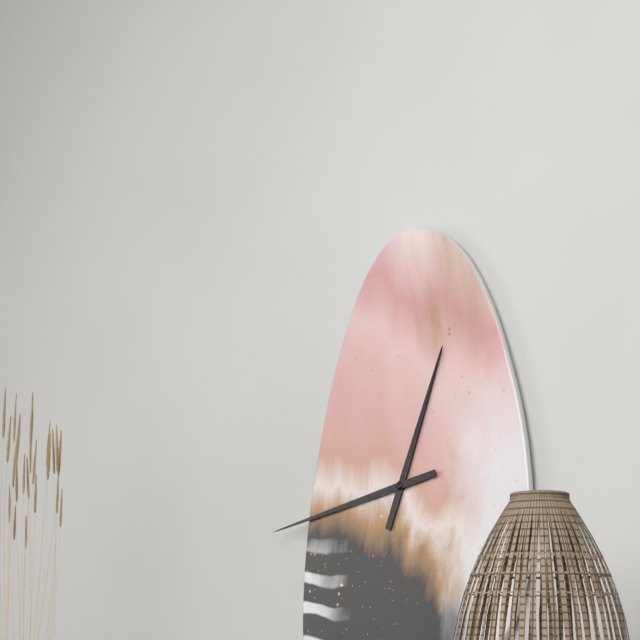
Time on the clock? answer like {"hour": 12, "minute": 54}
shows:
{"hour": 12, "minute": 43}
